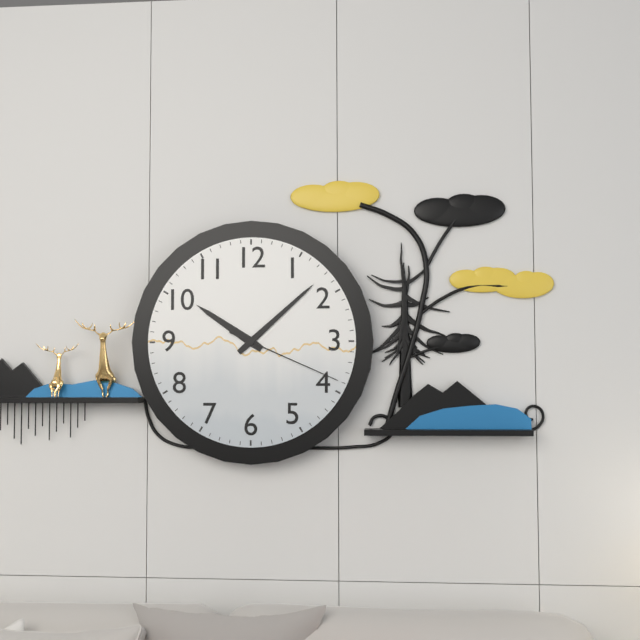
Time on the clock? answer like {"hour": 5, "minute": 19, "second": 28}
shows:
{"hour": 10, "minute": 8, "second": 19}
